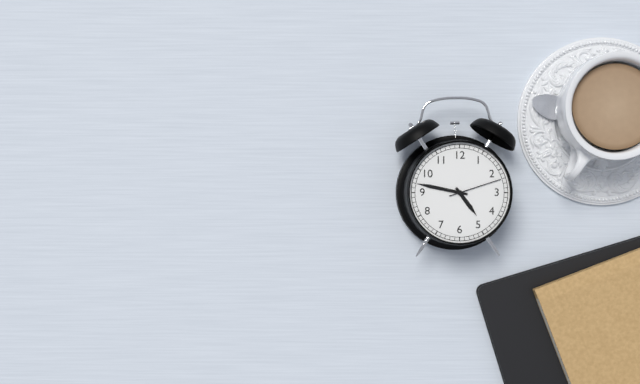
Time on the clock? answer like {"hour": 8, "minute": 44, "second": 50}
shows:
{"hour": 4, "minute": 47, "second": 12}
